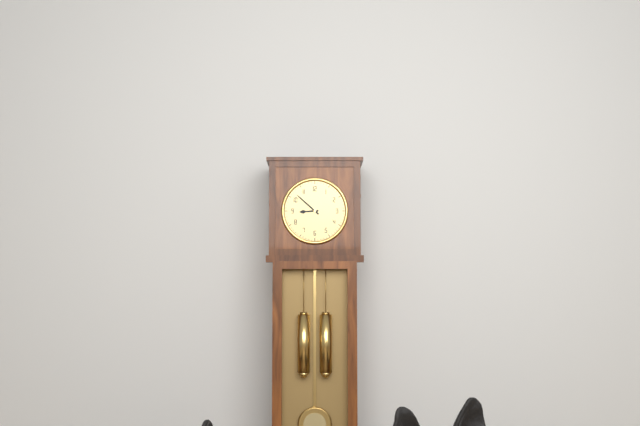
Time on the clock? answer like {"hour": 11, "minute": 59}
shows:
{"hour": 8, "minute": 52}
